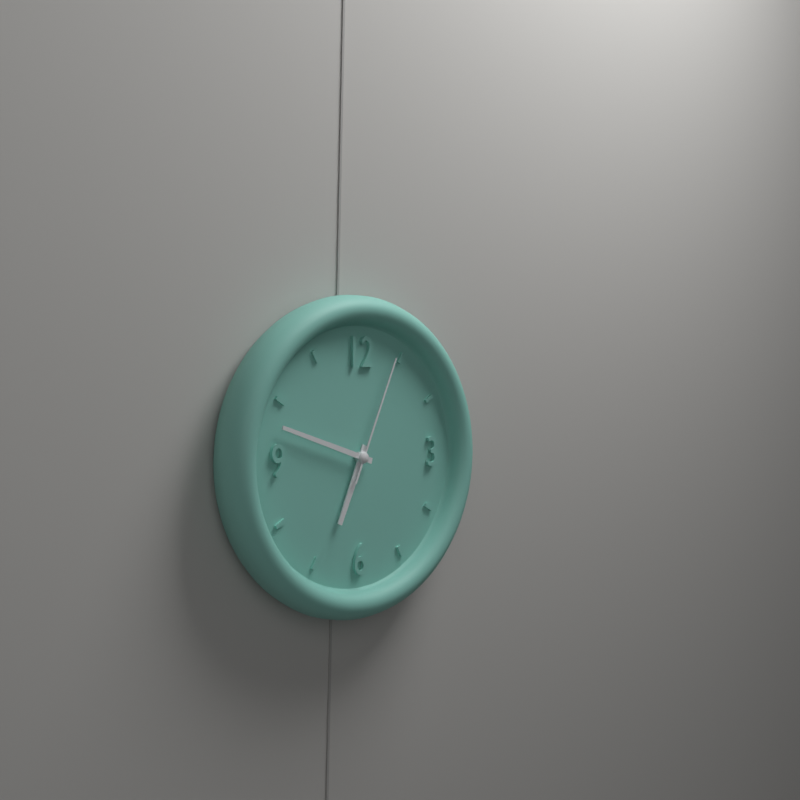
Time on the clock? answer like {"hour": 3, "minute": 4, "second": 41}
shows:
{"hour": 6, "minute": 48, "second": 4}
